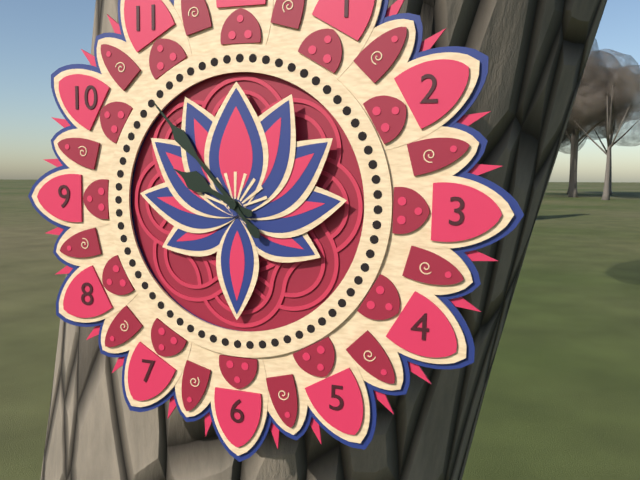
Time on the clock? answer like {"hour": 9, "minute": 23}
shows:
{"hour": 9, "minute": 53}
